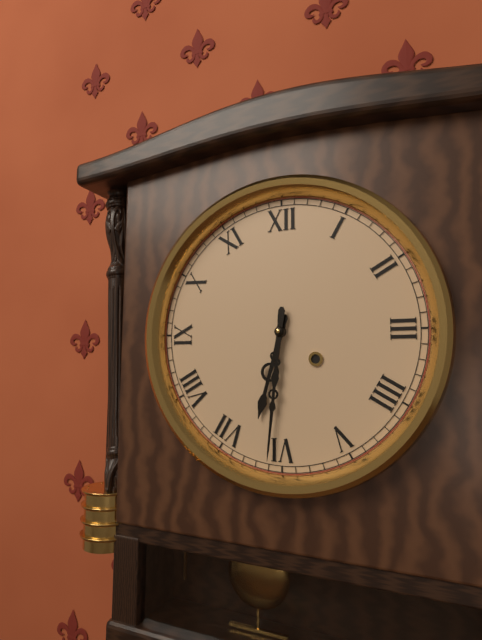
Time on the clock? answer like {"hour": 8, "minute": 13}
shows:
{"hour": 6, "minute": 31}
